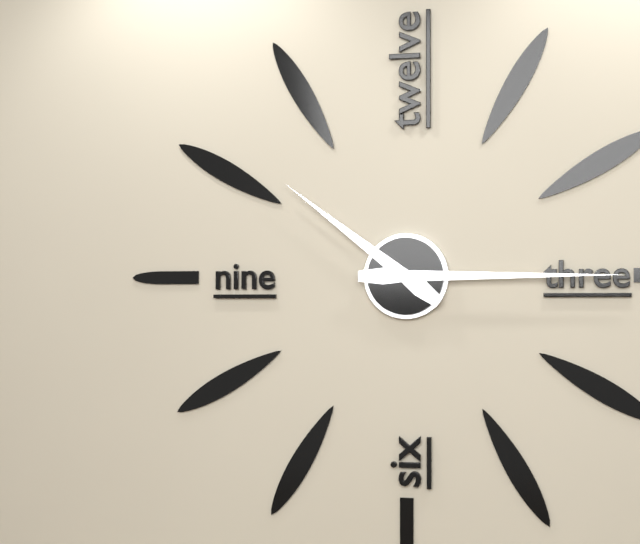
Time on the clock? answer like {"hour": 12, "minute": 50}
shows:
{"hour": 10, "minute": 15}
